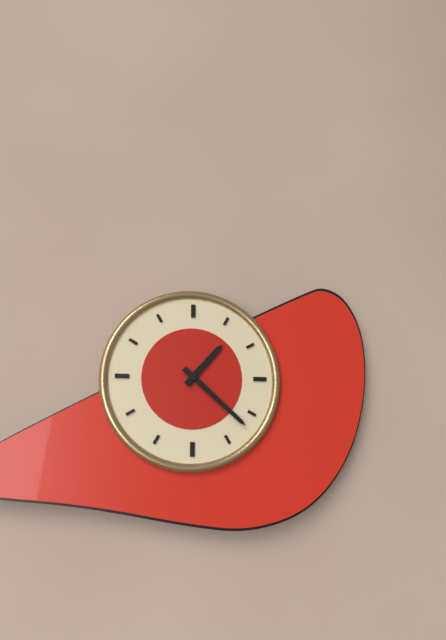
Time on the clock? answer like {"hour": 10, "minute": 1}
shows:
{"hour": 1, "minute": 22}
